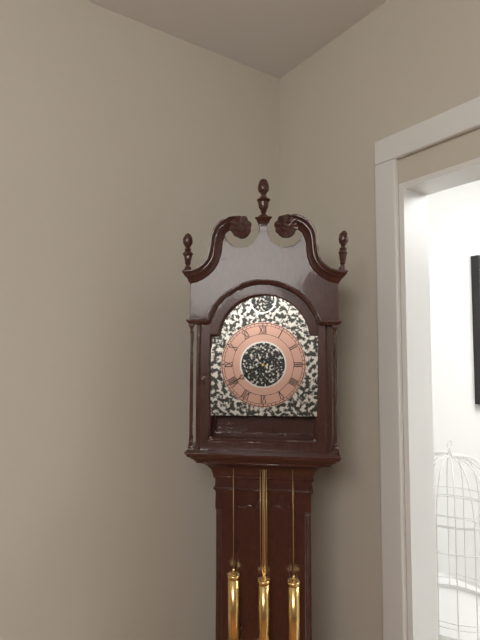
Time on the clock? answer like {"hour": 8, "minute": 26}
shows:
{"hour": 5, "minute": 40}
